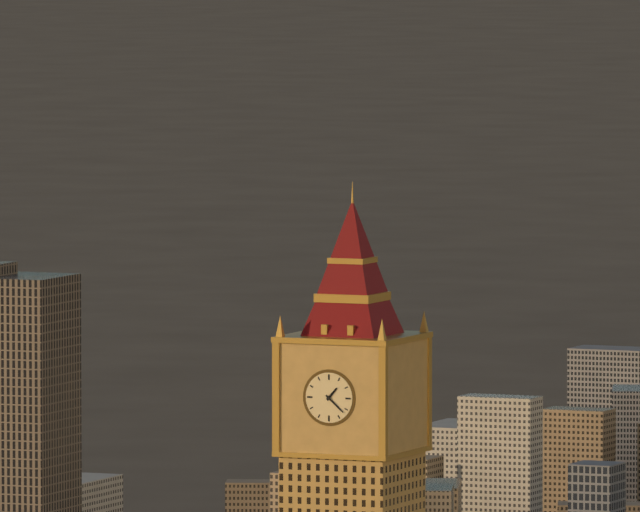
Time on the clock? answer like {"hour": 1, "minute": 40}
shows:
{"hour": 1, "minute": 22}
